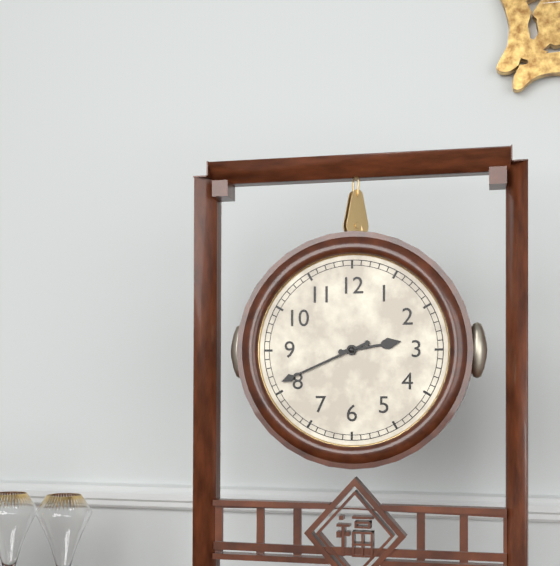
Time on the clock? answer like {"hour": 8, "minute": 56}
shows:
{"hour": 2, "minute": 41}
